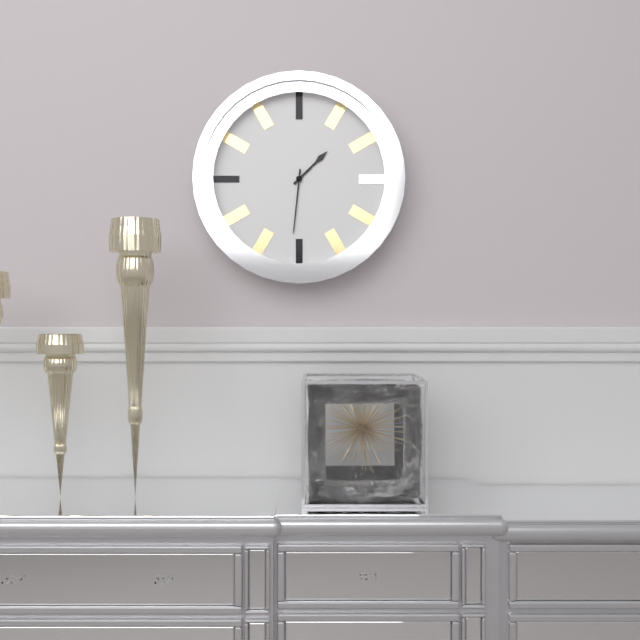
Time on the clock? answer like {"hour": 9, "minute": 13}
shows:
{"hour": 1, "minute": 31}
